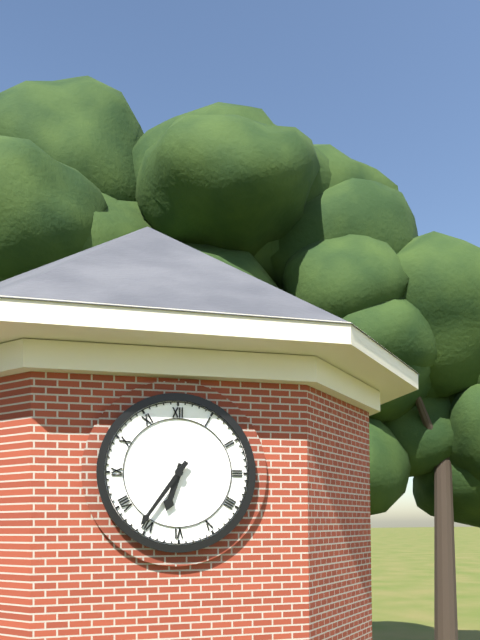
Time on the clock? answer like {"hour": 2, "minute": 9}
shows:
{"hour": 6, "minute": 36}
